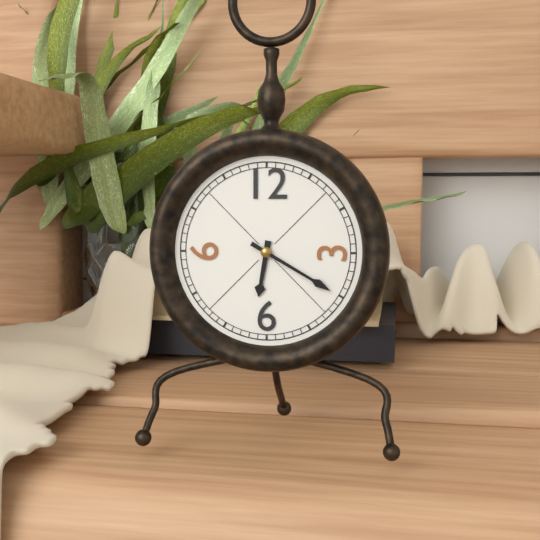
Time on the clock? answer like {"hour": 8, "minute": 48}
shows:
{"hour": 6, "minute": 20}
